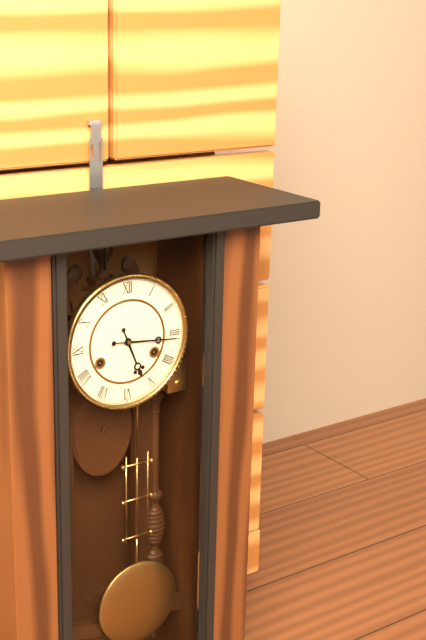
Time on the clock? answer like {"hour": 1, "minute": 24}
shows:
{"hour": 5, "minute": 16}
